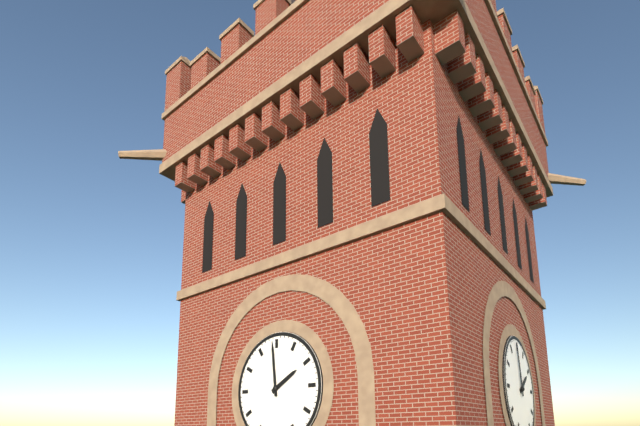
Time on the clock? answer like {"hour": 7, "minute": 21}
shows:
{"hour": 1, "minute": 59}
